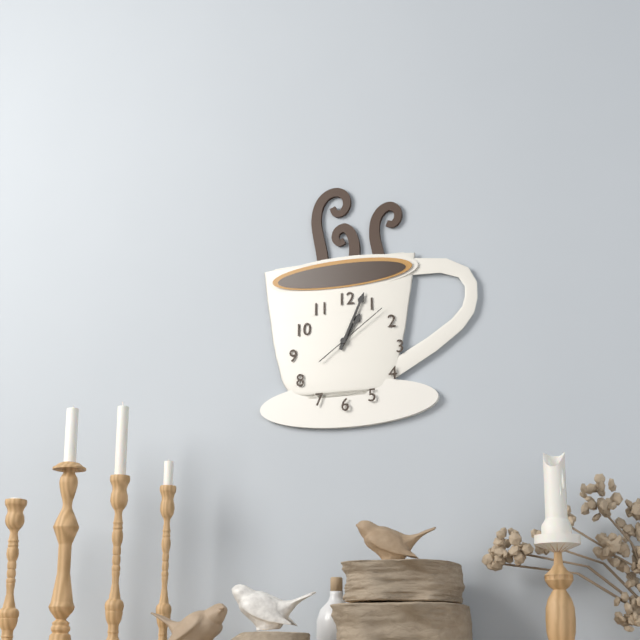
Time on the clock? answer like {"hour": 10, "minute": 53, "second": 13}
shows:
{"hour": 1, "minute": 4, "second": 9}
